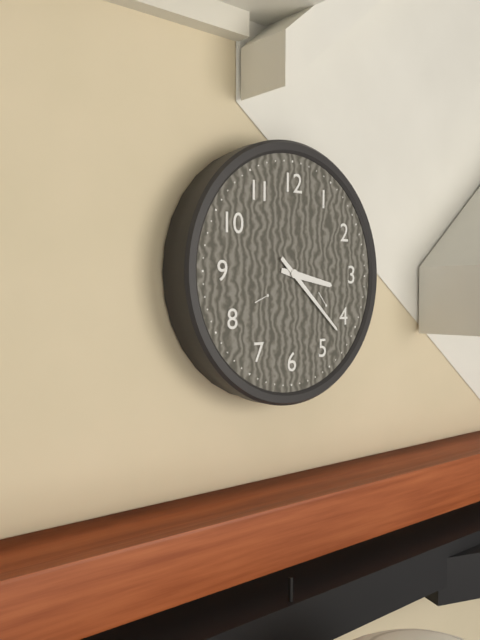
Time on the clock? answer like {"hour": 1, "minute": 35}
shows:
{"hour": 3, "minute": 22}
